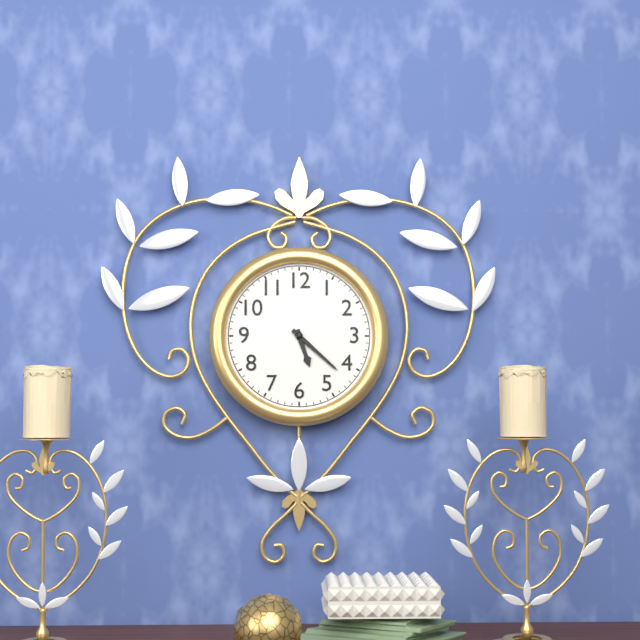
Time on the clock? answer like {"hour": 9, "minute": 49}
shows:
{"hour": 5, "minute": 22}
